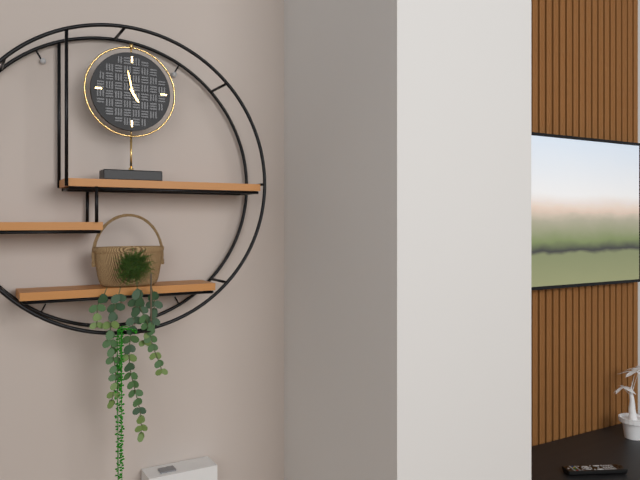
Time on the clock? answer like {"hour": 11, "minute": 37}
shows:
{"hour": 4, "minute": 58}
